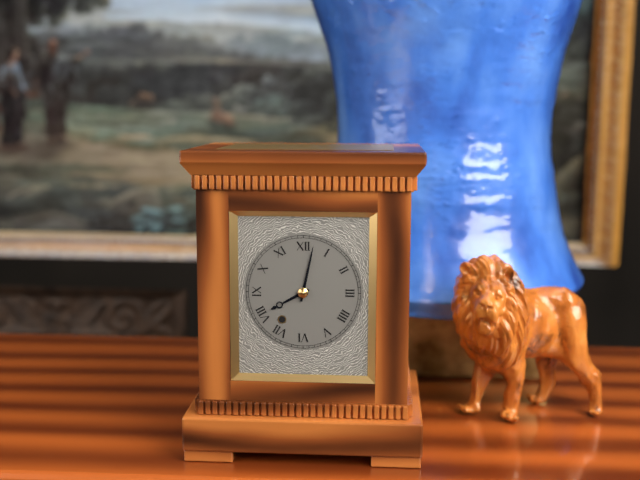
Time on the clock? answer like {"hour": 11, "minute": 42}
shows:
{"hour": 8, "minute": 2}
